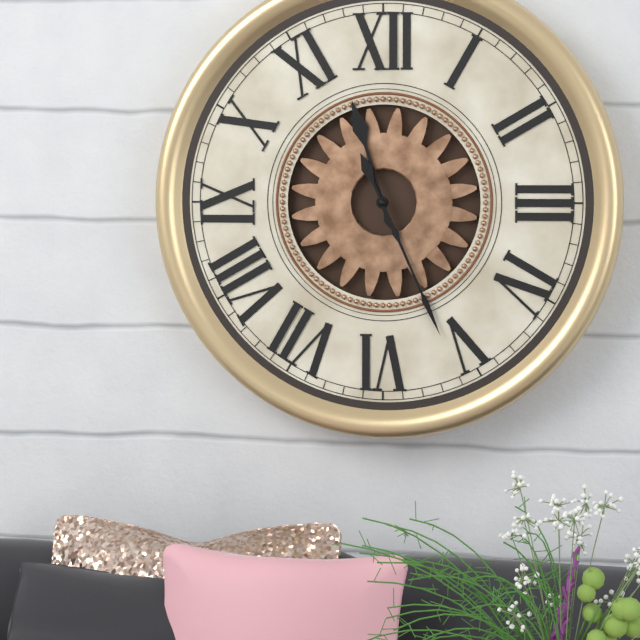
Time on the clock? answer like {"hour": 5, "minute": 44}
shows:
{"hour": 11, "minute": 26}
